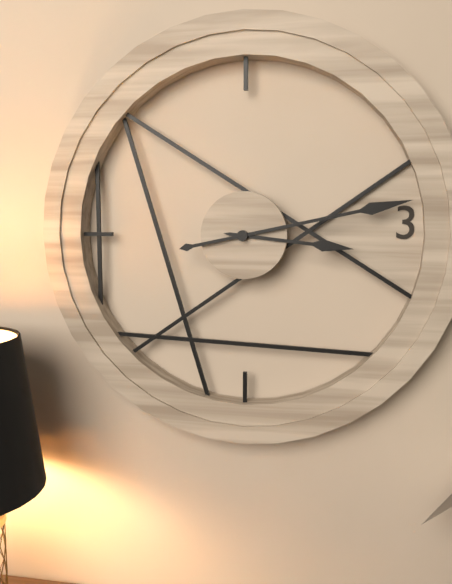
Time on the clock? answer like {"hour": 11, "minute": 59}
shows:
{"hour": 3, "minute": 13}
